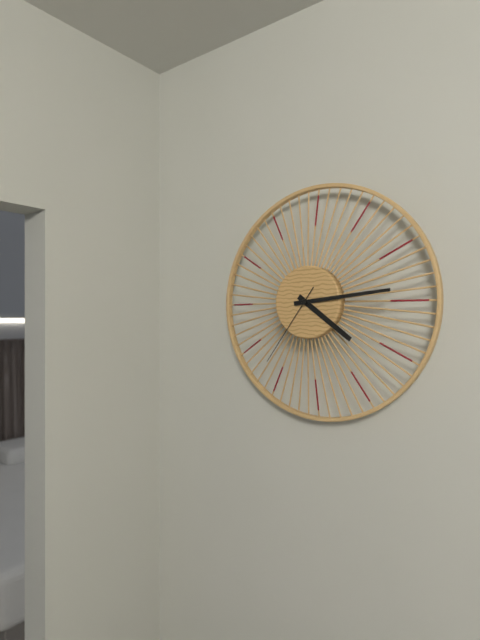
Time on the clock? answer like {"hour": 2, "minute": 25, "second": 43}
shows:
{"hour": 4, "minute": 14, "second": 36}
